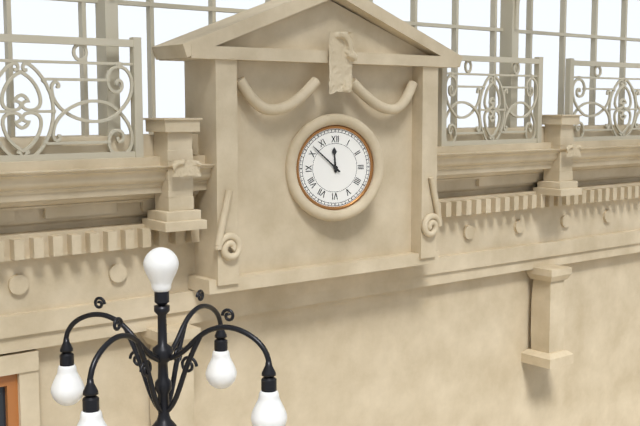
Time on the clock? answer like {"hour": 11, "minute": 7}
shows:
{"hour": 11, "minute": 52}
